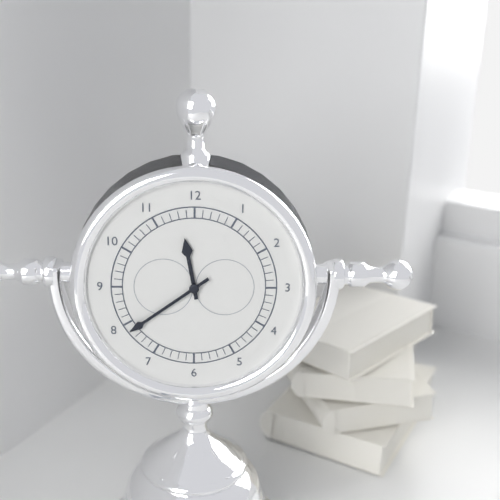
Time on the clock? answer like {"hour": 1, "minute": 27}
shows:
{"hour": 11, "minute": 39}
